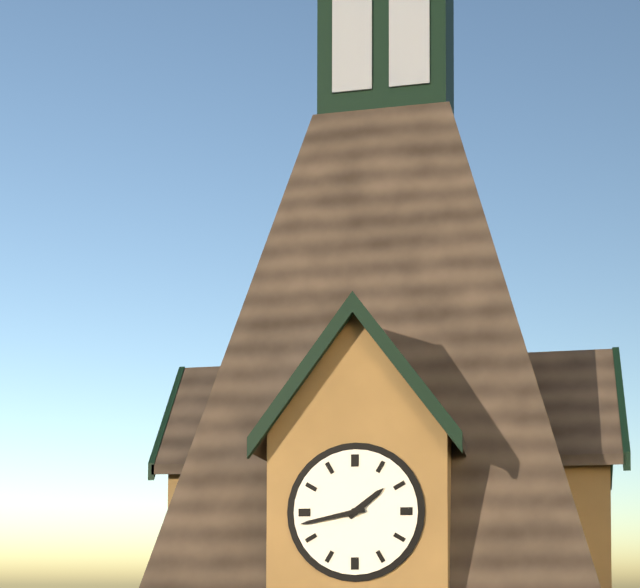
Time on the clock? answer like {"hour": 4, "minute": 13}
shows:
{"hour": 1, "minute": 43}
